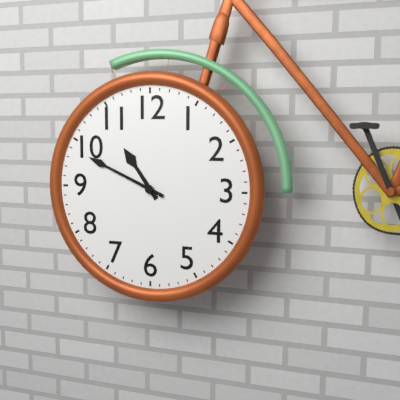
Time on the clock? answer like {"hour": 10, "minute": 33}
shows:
{"hour": 10, "minute": 49}
